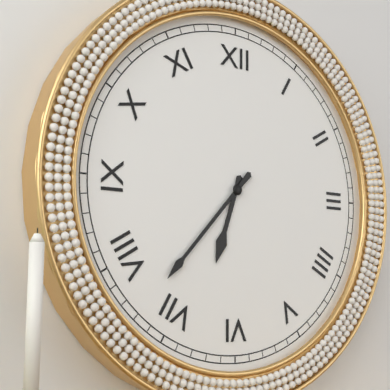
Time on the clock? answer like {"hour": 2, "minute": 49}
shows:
{"hour": 6, "minute": 37}
